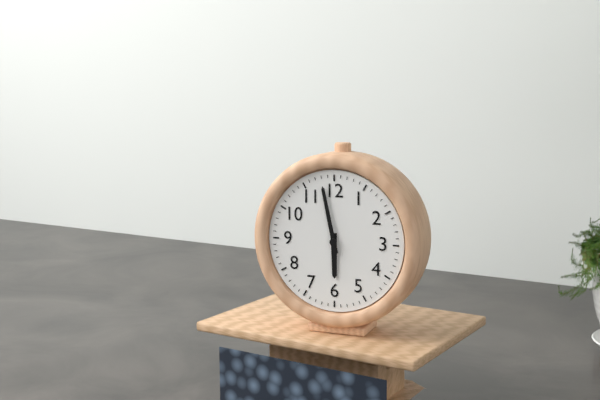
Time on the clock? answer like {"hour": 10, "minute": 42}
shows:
{"hour": 5, "minute": 58}
